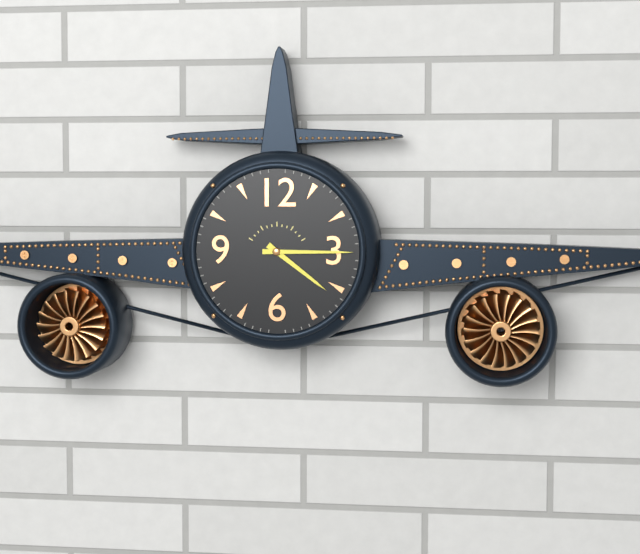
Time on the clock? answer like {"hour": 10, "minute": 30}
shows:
{"hour": 4, "minute": 15}
